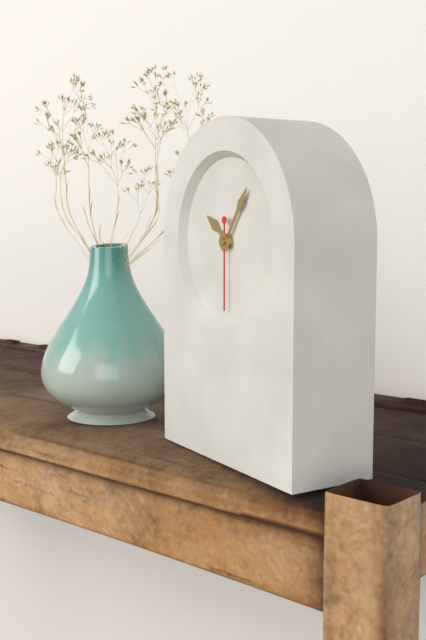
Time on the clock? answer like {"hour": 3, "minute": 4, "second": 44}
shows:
{"hour": 10, "minute": 6, "second": 30}
